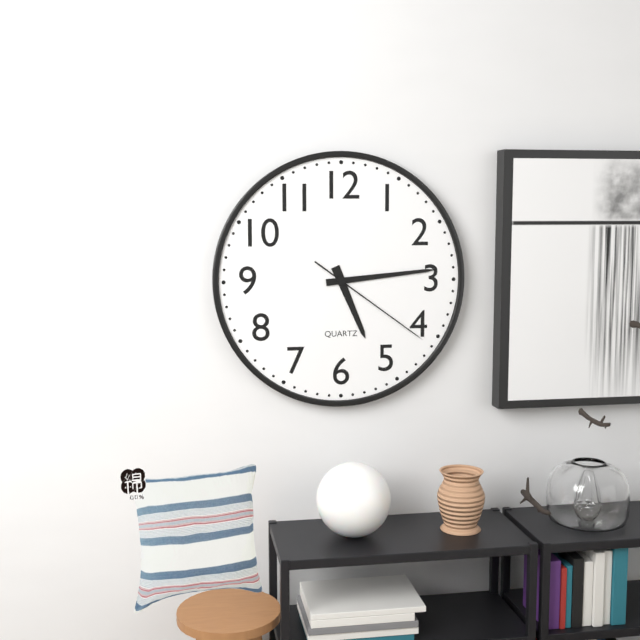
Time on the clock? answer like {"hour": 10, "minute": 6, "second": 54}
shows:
{"hour": 5, "minute": 14, "second": 21}
